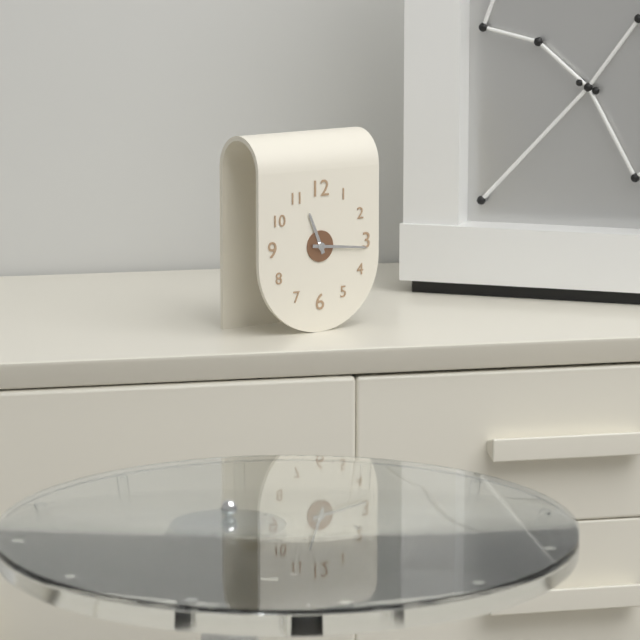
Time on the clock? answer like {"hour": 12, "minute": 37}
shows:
{"hour": 11, "minute": 16}
